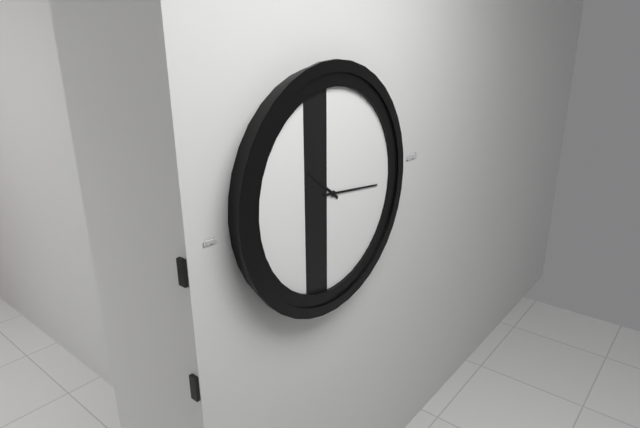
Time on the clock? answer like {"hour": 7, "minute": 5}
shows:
{"hour": 10, "minute": 16}
